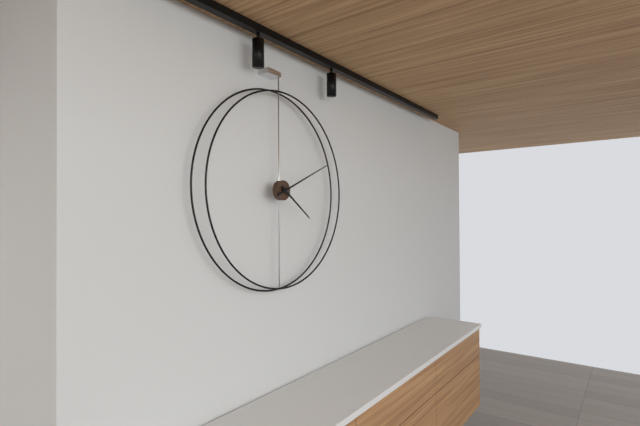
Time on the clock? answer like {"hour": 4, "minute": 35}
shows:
{"hour": 4, "minute": 11}
